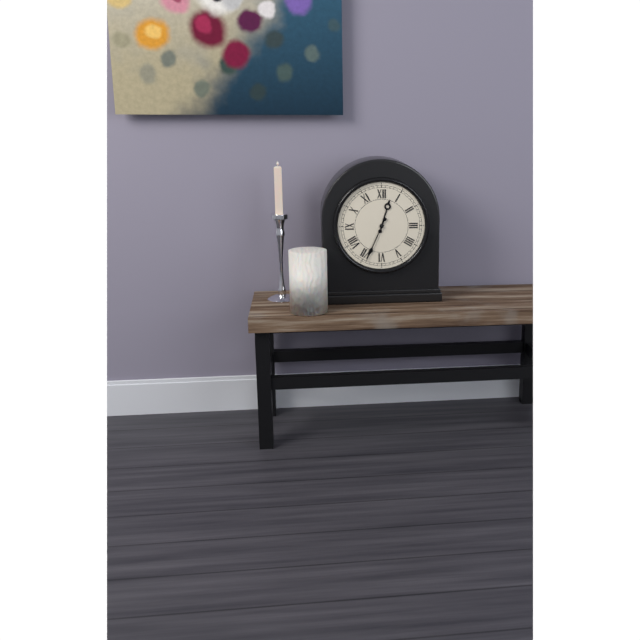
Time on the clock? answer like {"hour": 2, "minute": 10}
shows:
{"hour": 12, "minute": 34}
